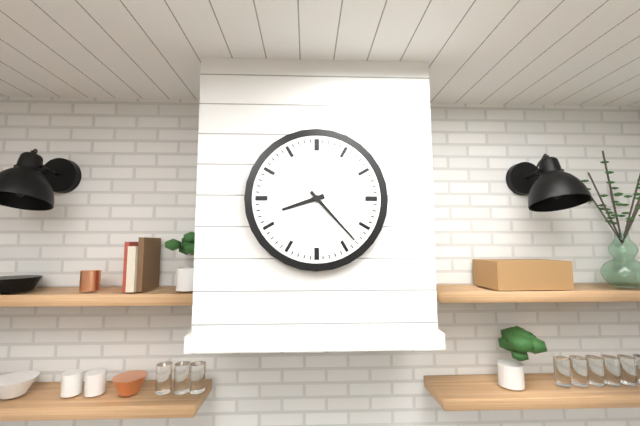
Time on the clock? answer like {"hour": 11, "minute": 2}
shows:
{"hour": 8, "minute": 23}
